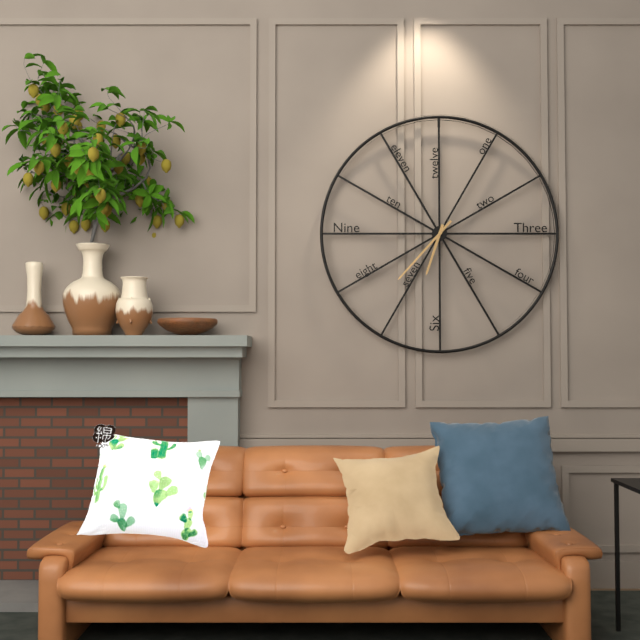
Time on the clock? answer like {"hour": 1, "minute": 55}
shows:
{"hour": 6, "minute": 37}
